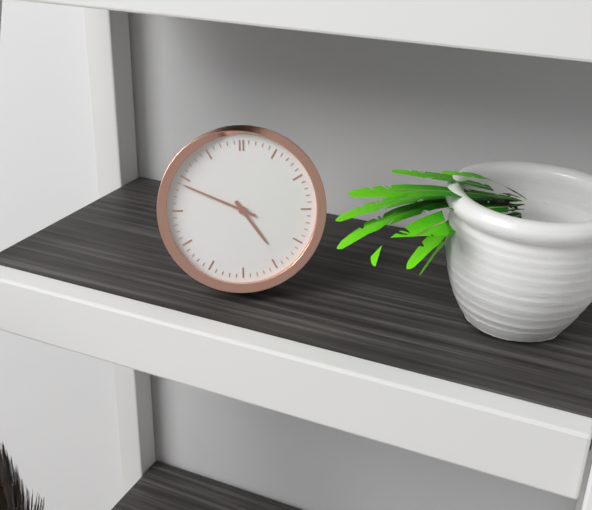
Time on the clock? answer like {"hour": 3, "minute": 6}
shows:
{"hour": 4, "minute": 49}
